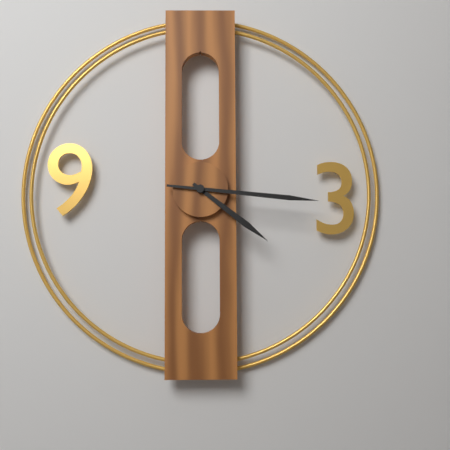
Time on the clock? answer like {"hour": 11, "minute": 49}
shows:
{"hour": 4, "minute": 16}
